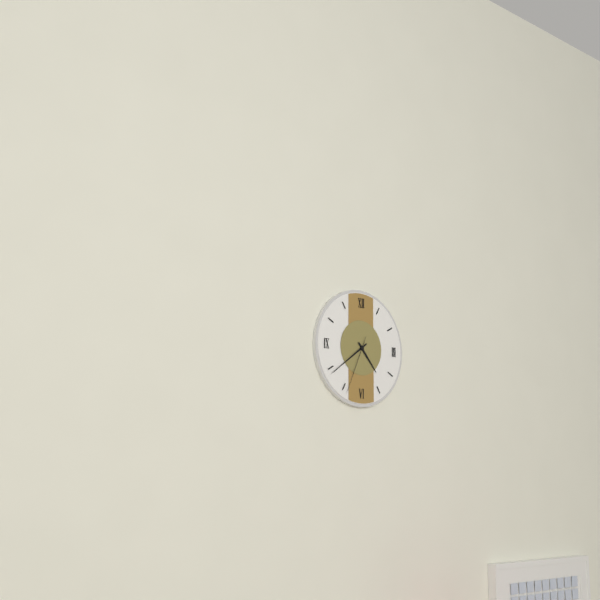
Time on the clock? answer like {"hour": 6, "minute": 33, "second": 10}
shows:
{"hour": 4, "minute": 39, "second": 34}
